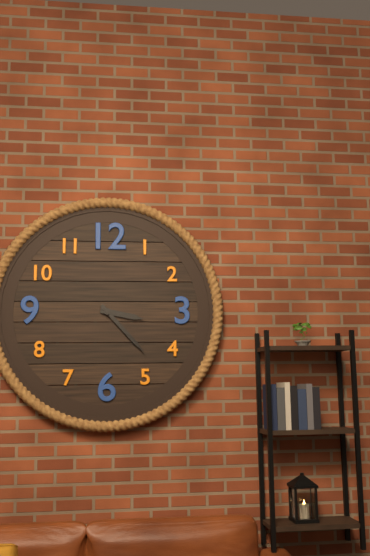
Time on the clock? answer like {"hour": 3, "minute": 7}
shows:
{"hour": 3, "minute": 23}
